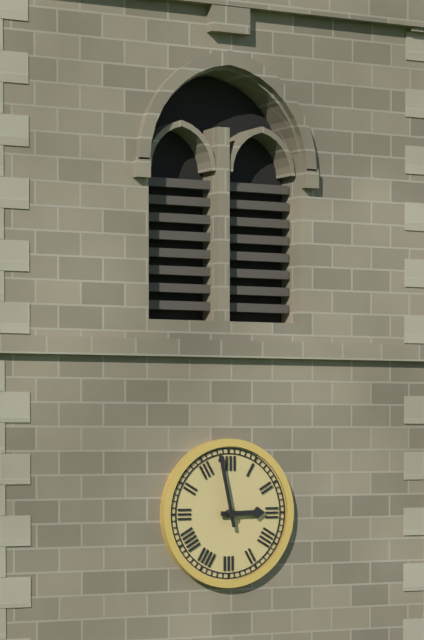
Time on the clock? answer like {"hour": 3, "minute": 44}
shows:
{"hour": 2, "minute": 58}
